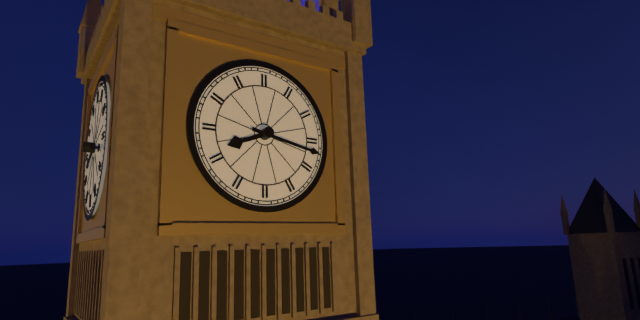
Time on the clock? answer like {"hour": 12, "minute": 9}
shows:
{"hour": 8, "minute": 17}
